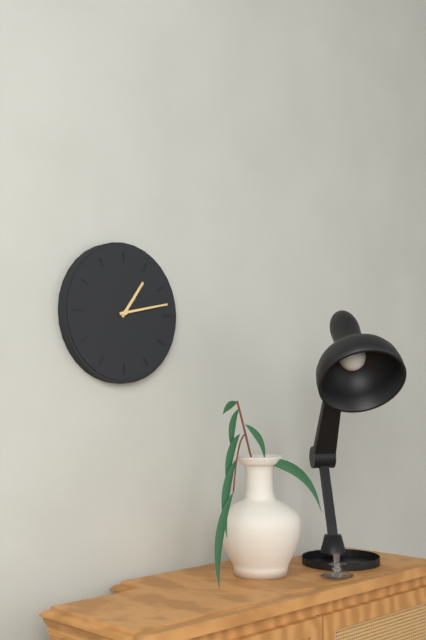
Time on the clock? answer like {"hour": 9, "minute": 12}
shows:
{"hour": 1, "minute": 13}
